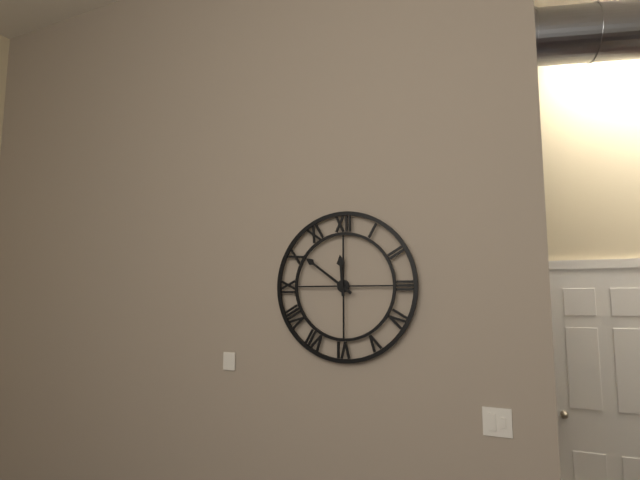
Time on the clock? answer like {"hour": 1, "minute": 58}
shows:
{"hour": 11, "minute": 51}
